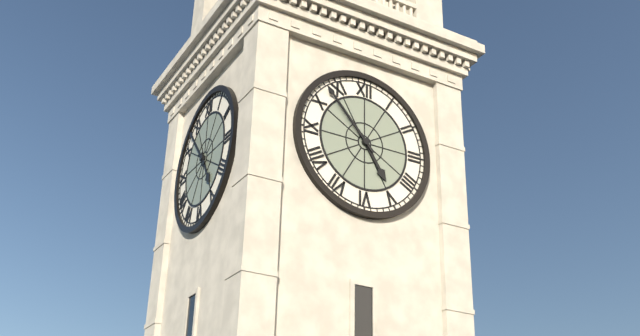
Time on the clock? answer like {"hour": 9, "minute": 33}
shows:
{"hour": 4, "minute": 53}
